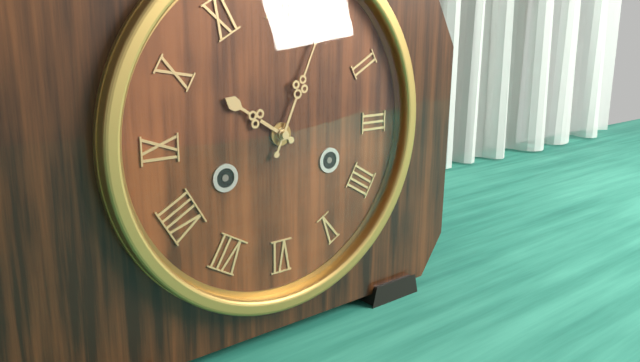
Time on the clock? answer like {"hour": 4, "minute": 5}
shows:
{"hour": 10, "minute": 4}
